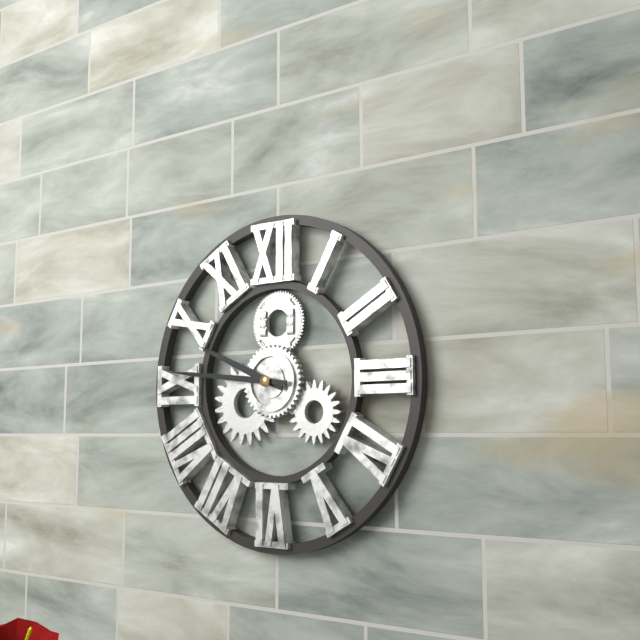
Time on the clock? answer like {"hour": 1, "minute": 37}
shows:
{"hour": 9, "minute": 46}
